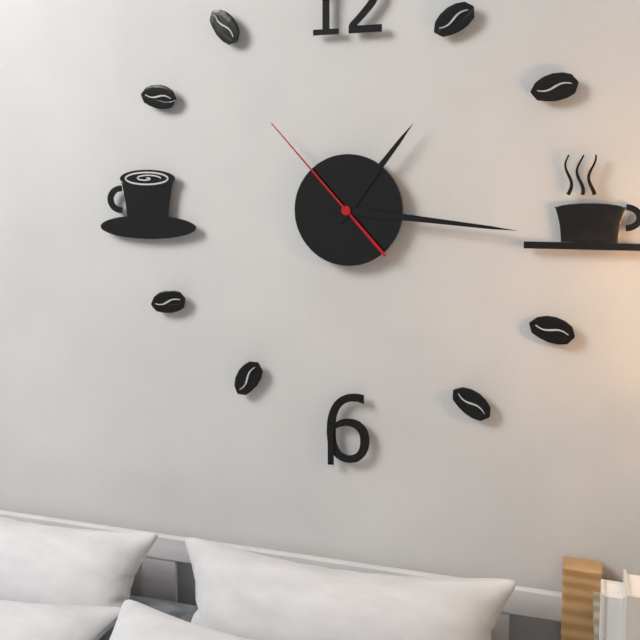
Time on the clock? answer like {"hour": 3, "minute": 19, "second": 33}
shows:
{"hour": 1, "minute": 16, "second": 53}
